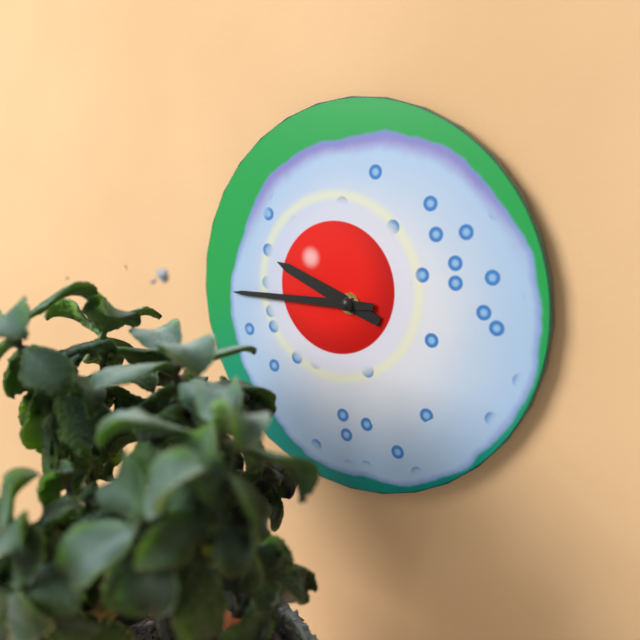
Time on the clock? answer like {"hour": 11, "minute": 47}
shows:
{"hour": 9, "minute": 45}
